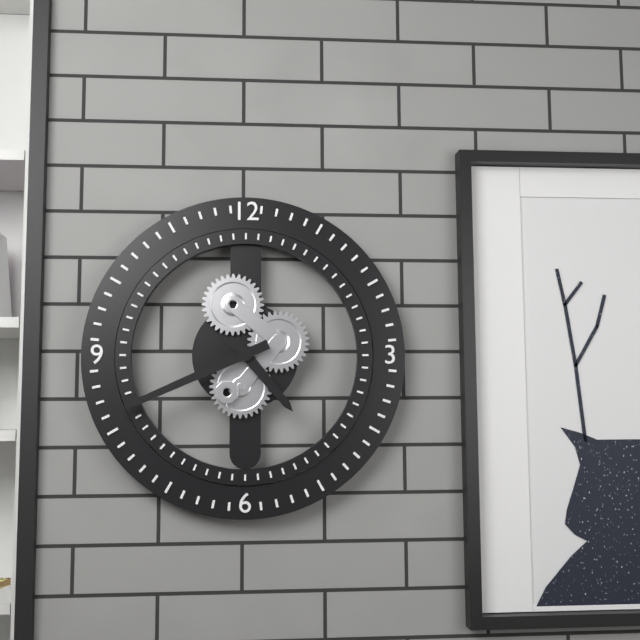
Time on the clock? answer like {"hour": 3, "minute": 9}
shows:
{"hour": 4, "minute": 41}
